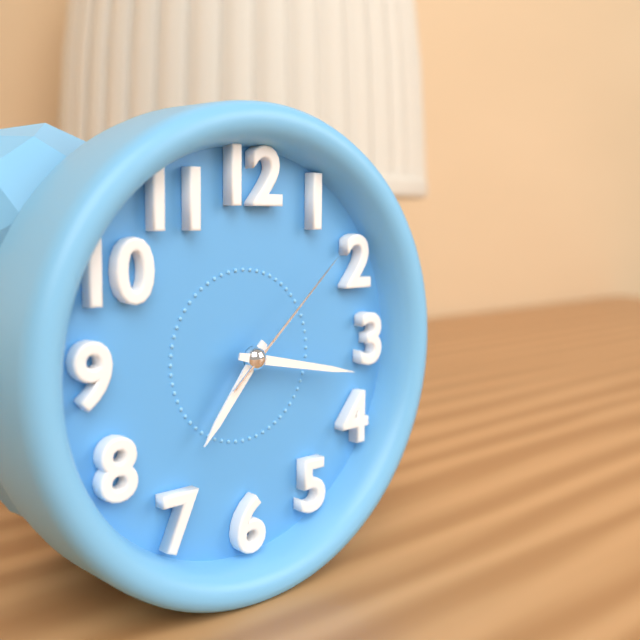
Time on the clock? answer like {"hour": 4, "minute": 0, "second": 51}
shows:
{"hour": 7, "minute": 17, "second": 8}
